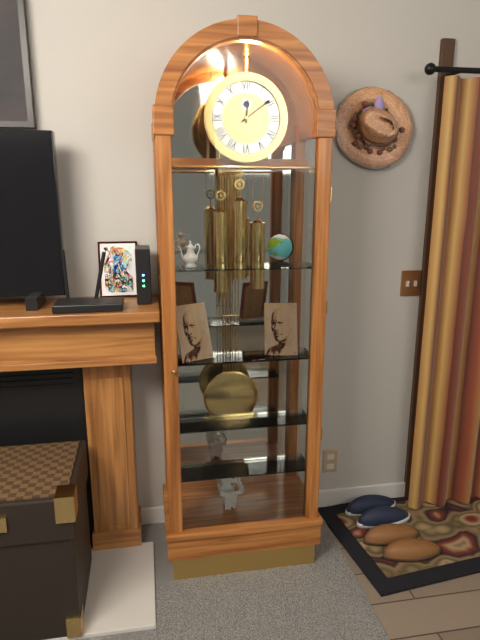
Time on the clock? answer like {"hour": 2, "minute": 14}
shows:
{"hour": 12, "minute": 9}
